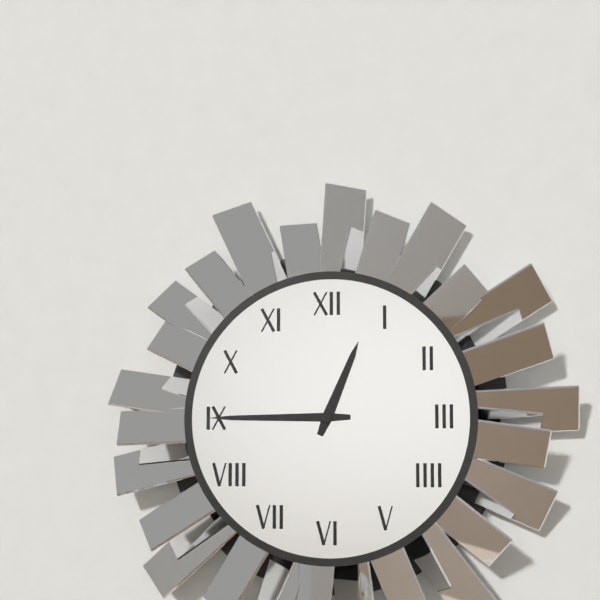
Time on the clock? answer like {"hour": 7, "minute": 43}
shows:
{"hour": 12, "minute": 45}
